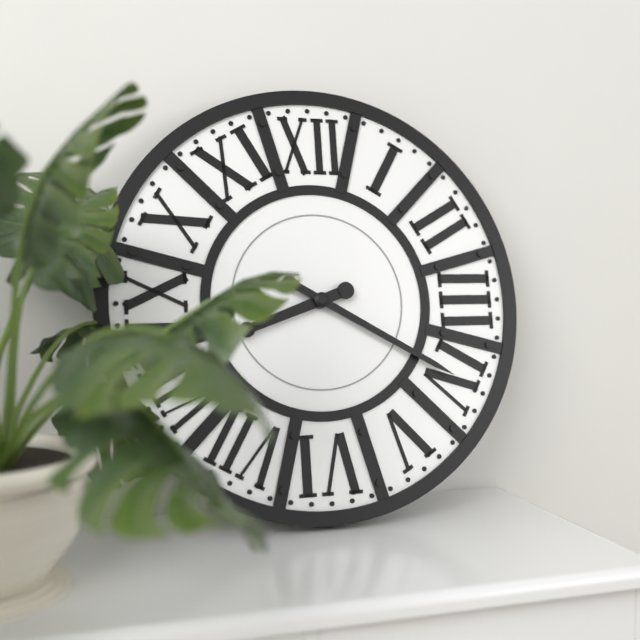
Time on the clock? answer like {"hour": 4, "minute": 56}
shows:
{"hour": 8, "minute": 20}
